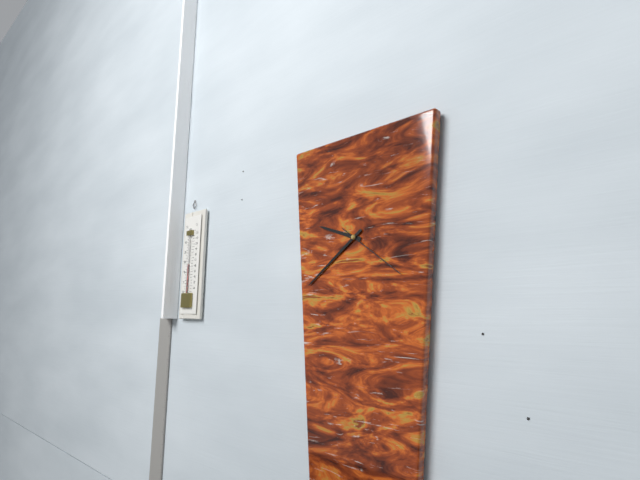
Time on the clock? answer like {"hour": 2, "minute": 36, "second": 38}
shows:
{"hour": 9, "minute": 39, "second": 21}
